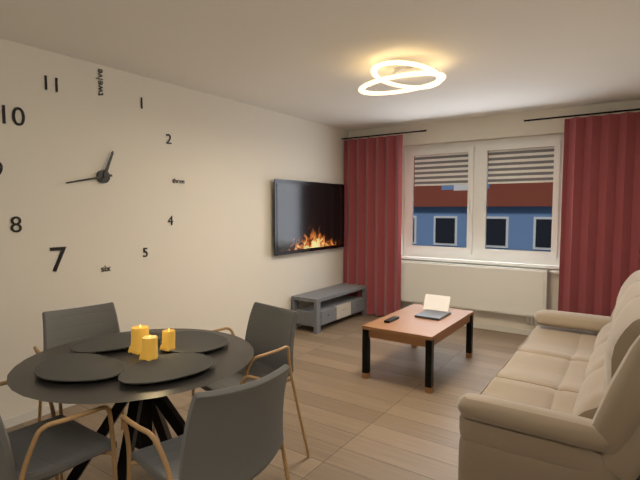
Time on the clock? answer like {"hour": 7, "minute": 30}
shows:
{"hour": 12, "minute": 43}
